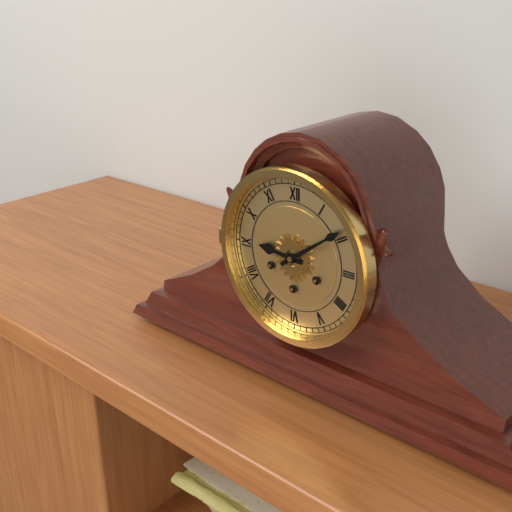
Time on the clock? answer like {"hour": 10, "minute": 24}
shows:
{"hour": 9, "minute": 9}
